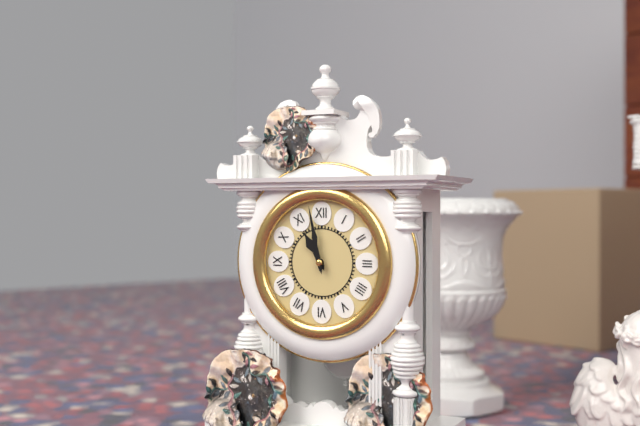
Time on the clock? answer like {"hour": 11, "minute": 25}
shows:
{"hour": 10, "minute": 58}
